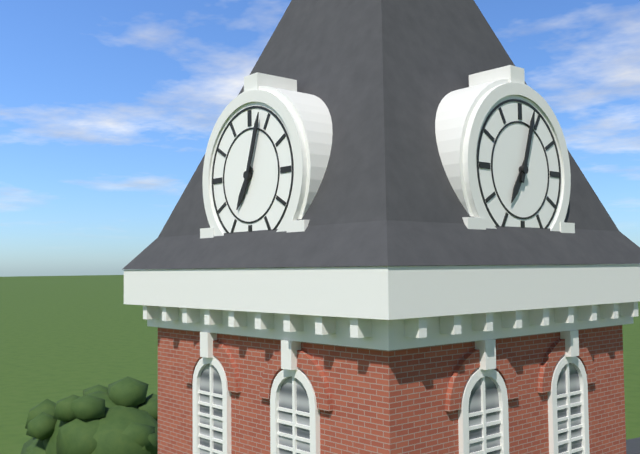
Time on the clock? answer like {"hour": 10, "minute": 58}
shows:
{"hour": 7, "minute": 3}
